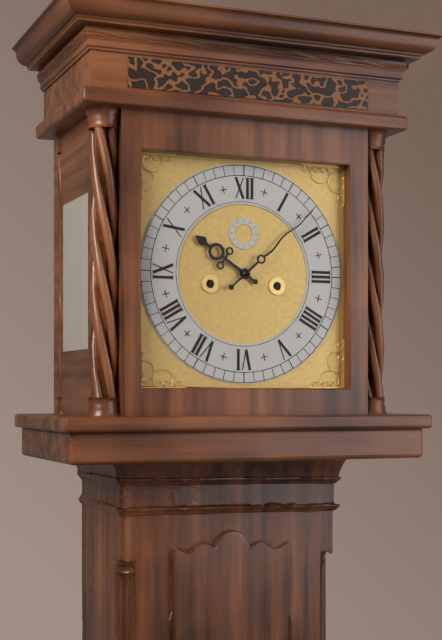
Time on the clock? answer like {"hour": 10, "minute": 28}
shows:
{"hour": 10, "minute": 8}
